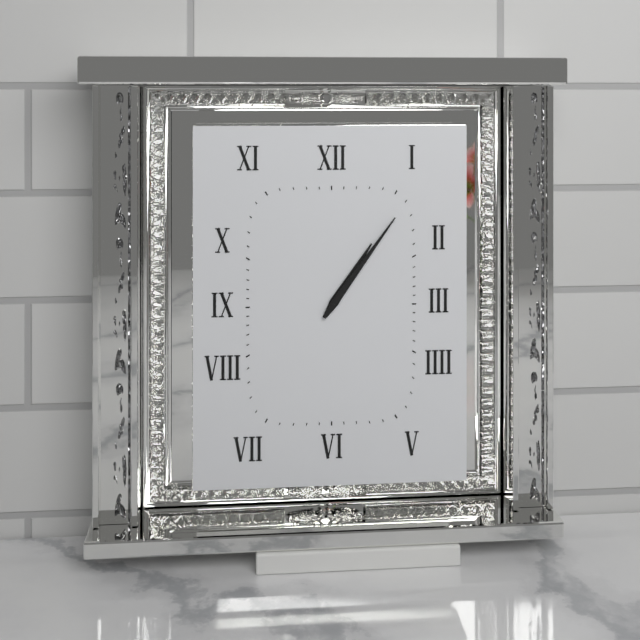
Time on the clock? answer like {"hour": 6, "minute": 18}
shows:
{"hour": 1, "minute": 6}
